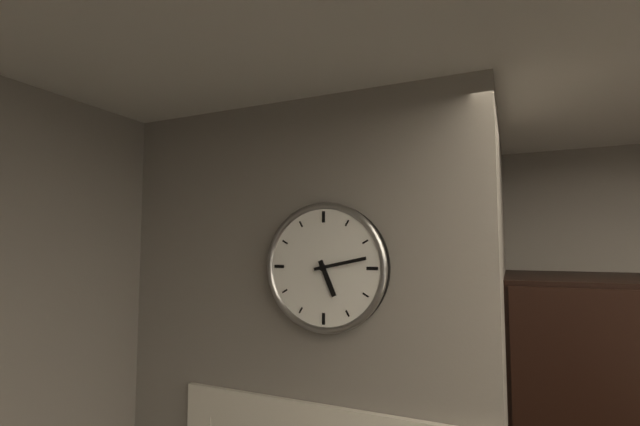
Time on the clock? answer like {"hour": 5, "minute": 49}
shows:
{"hour": 5, "minute": 13}
